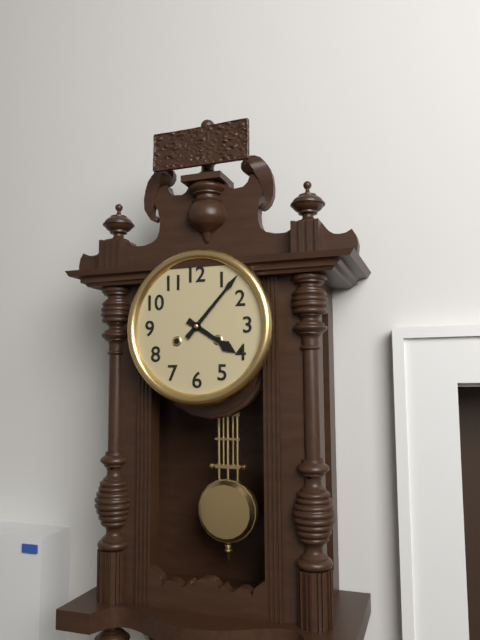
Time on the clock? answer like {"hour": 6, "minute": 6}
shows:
{"hour": 4, "minute": 7}
